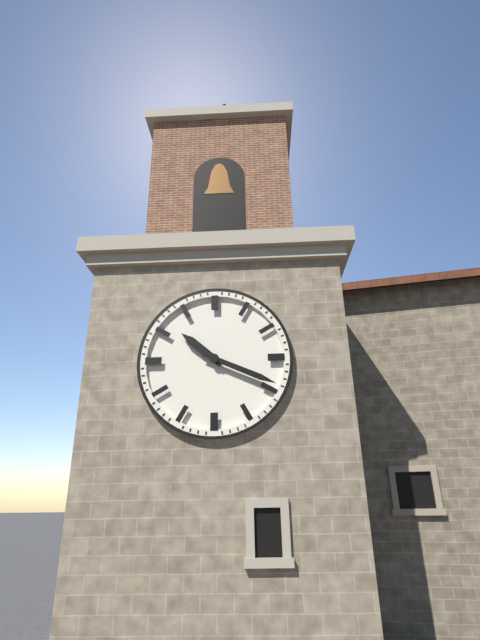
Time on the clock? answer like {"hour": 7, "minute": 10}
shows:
{"hour": 10, "minute": 19}
